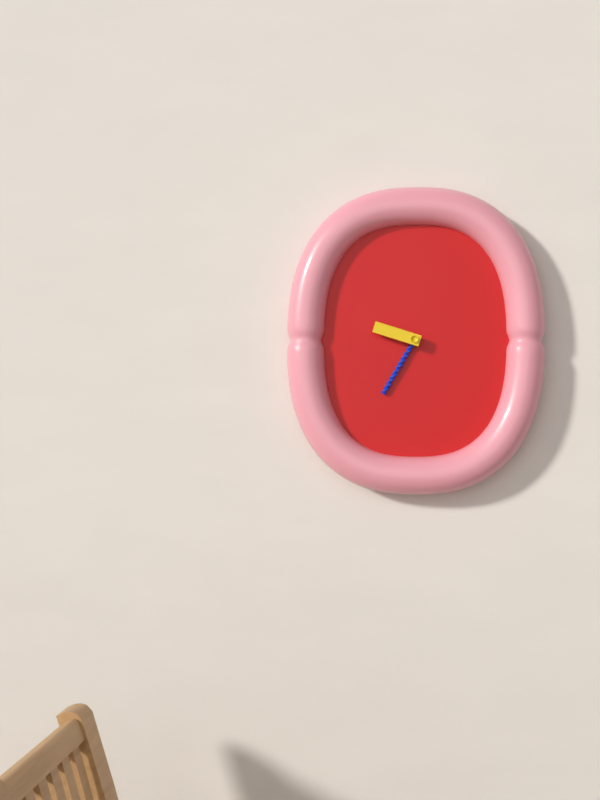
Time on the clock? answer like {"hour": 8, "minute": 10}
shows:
{"hour": 9, "minute": 35}
